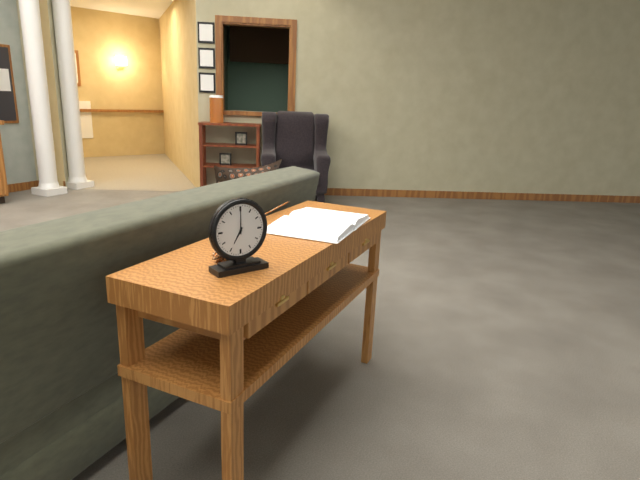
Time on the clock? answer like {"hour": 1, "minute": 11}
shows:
{"hour": 7, "minute": 0}
